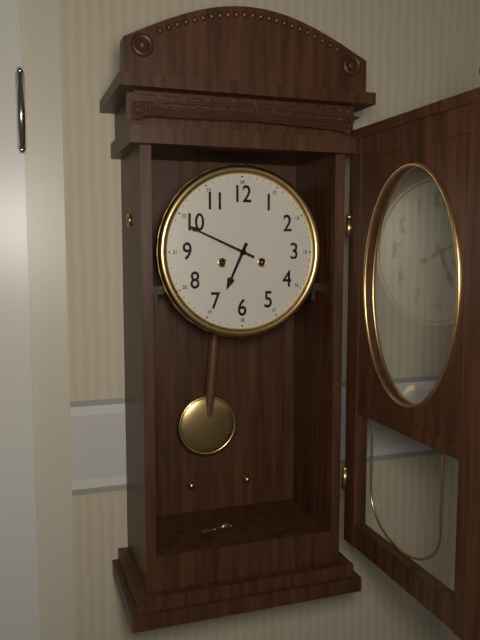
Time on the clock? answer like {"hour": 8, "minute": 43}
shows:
{"hour": 6, "minute": 49}
